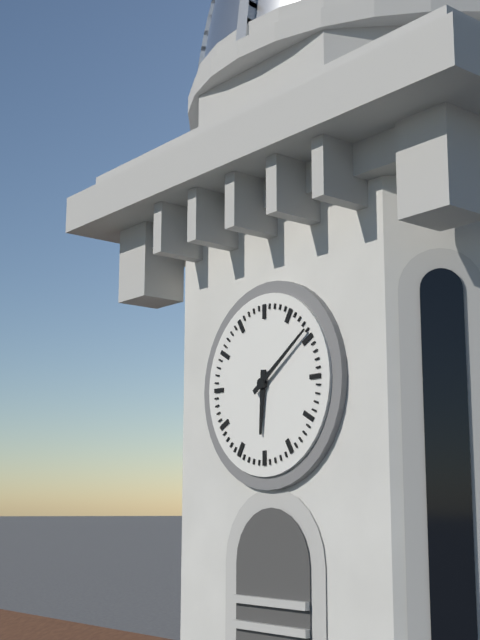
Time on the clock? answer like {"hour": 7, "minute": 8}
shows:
{"hour": 6, "minute": 9}
